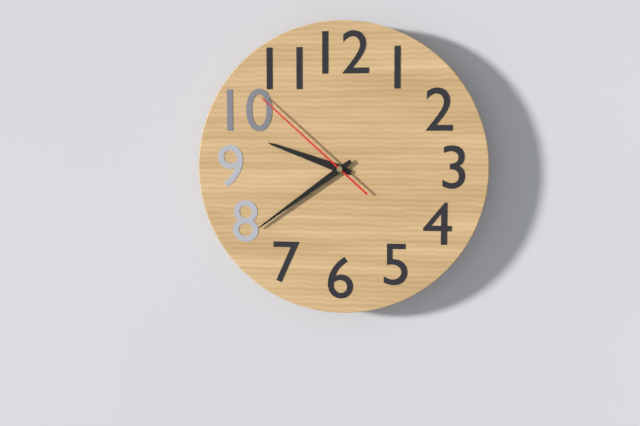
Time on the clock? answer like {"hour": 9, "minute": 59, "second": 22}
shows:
{"hour": 9, "minute": 39, "second": 52}
